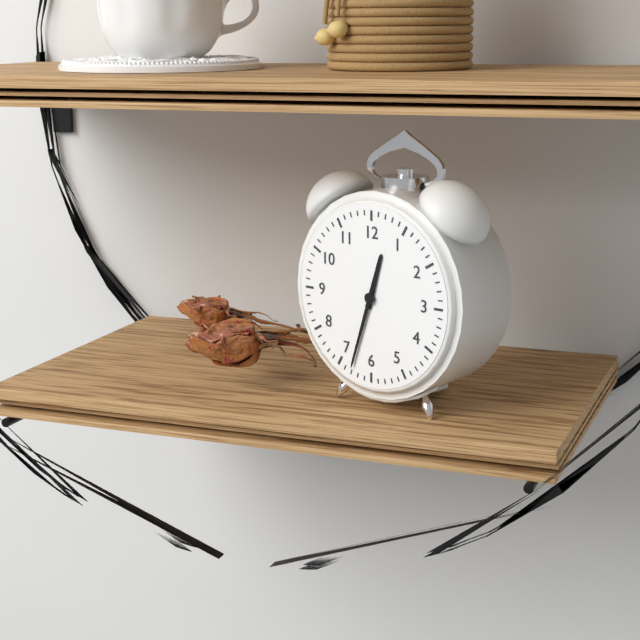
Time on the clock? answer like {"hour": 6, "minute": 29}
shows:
{"hour": 12, "minute": 33}
